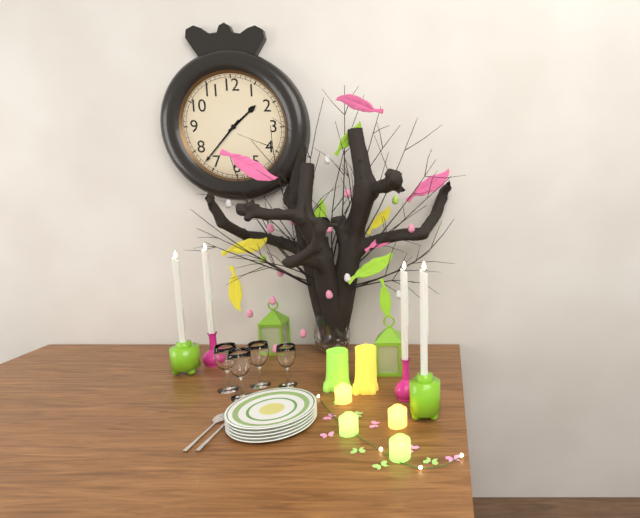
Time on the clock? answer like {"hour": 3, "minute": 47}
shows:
{"hour": 1, "minute": 37}
